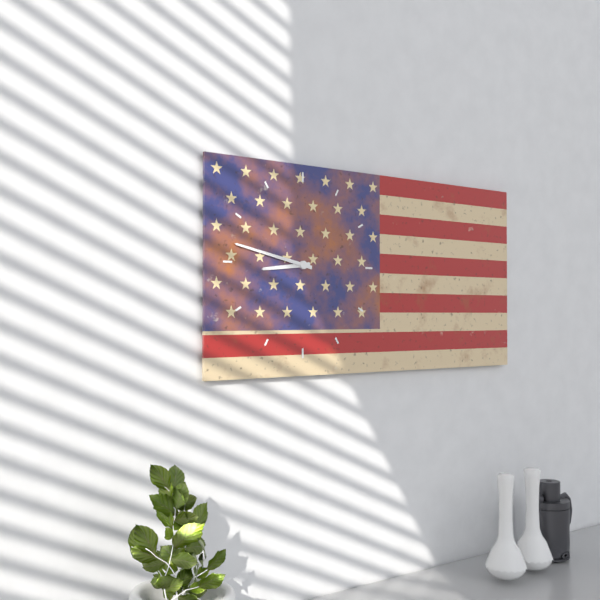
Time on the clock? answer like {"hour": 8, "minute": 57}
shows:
{"hour": 8, "minute": 47}
